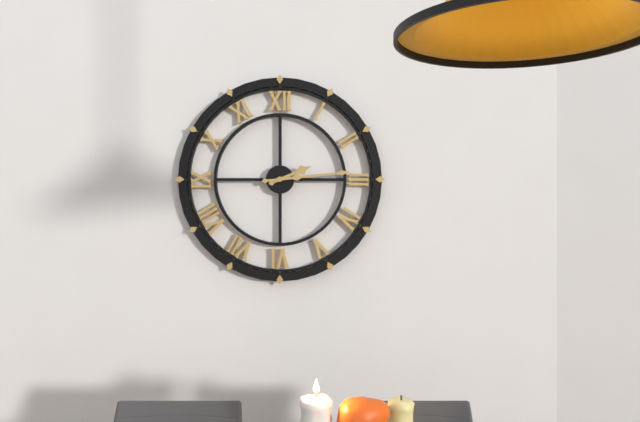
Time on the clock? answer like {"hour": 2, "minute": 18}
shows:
{"hour": 2, "minute": 14}
